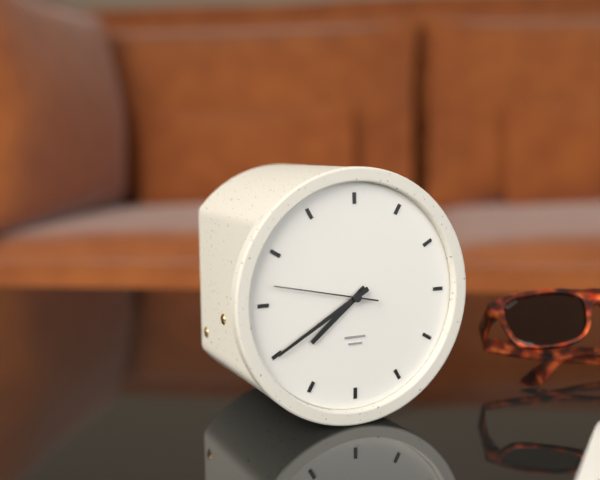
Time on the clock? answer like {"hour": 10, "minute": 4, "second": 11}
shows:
{"hour": 7, "minute": 40, "second": 47}
